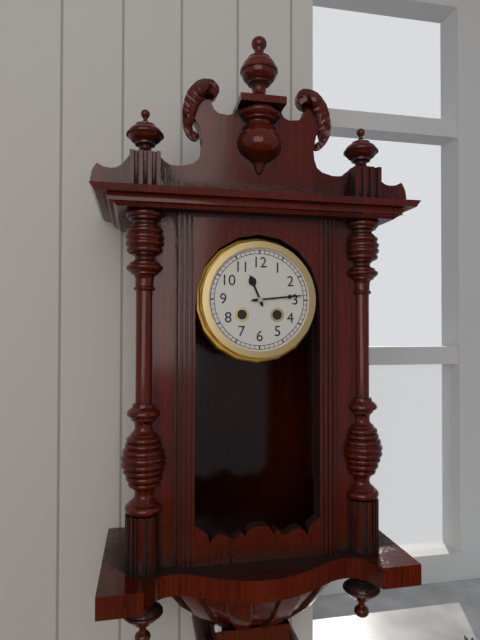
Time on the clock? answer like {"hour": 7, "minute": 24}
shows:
{"hour": 11, "minute": 14}
